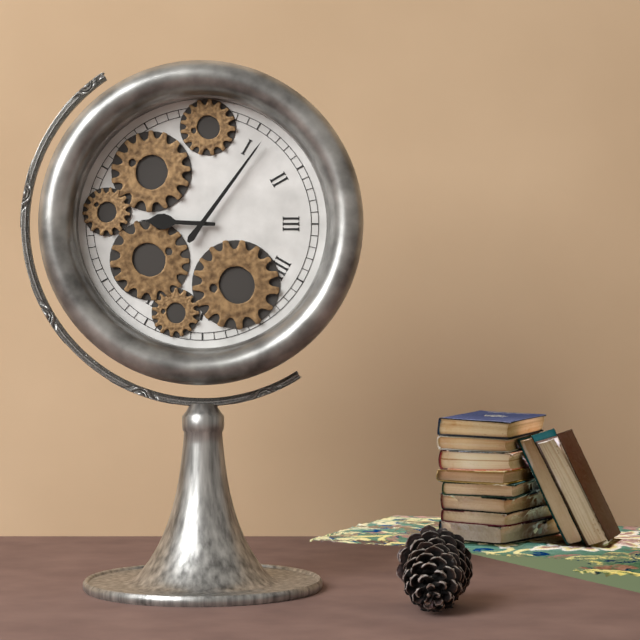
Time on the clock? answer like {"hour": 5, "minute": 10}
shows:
{"hour": 9, "minute": 6}
